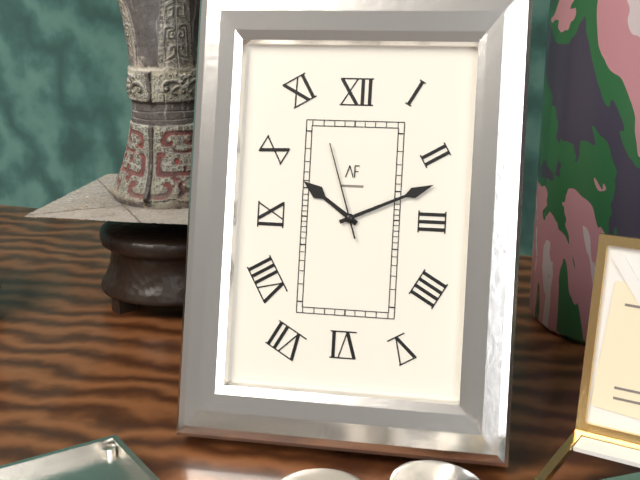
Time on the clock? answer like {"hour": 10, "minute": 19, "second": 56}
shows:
{"hour": 10, "minute": 11, "second": 57}
